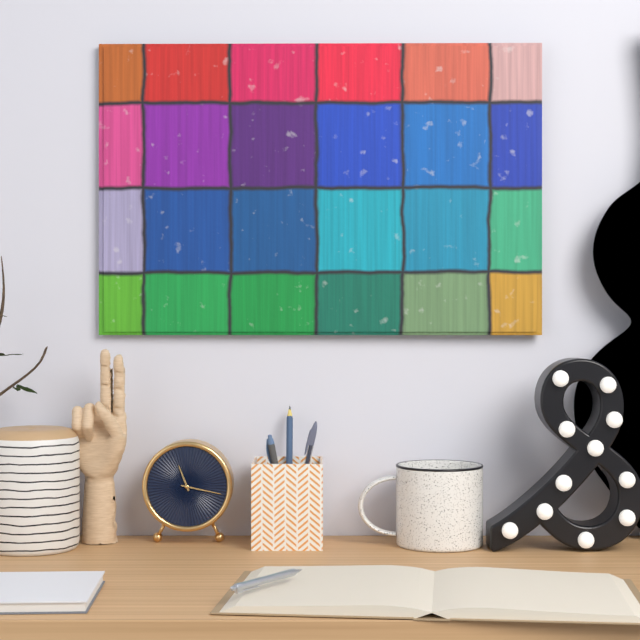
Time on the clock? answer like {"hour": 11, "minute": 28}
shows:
{"hour": 11, "minute": 17}
